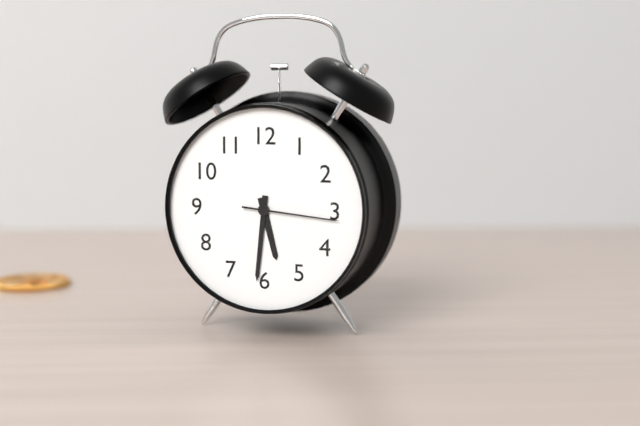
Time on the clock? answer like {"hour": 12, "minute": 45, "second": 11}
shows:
{"hour": 5, "minute": 31, "second": 16}
